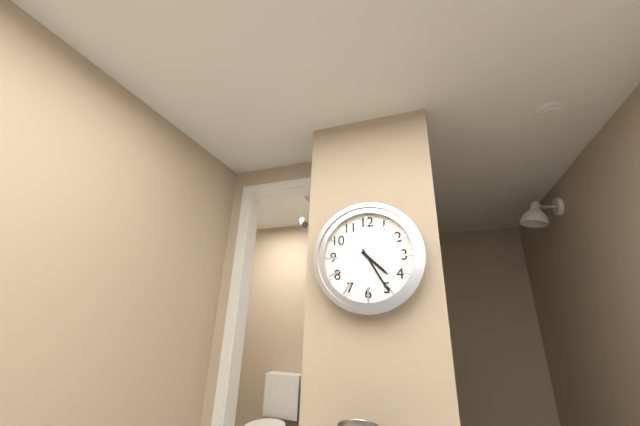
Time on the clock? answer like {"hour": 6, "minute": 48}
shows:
{"hour": 4, "minute": 25}
